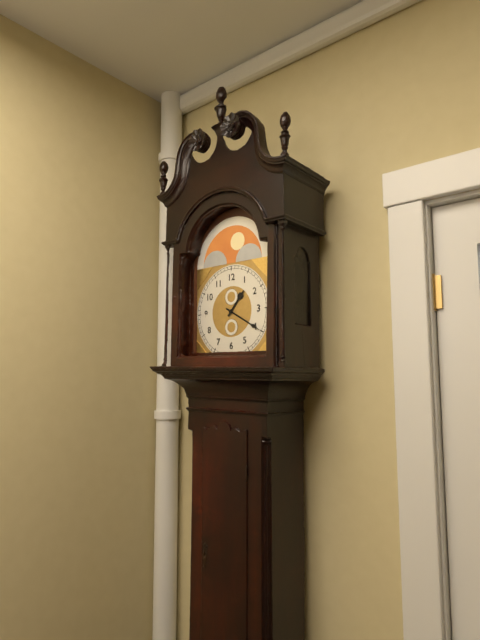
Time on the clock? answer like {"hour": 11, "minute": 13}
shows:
{"hour": 1, "minute": 20}
